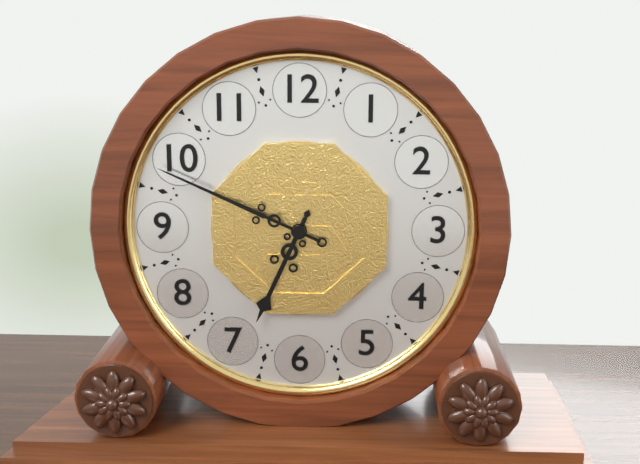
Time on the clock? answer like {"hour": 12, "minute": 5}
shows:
{"hour": 6, "minute": 49}
